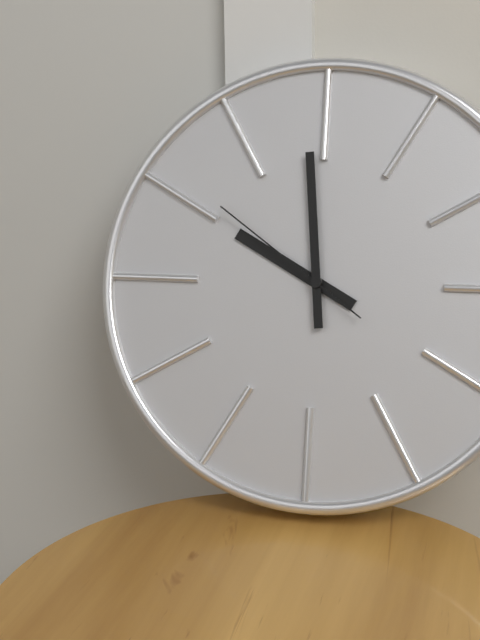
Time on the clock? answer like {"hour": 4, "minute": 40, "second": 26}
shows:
{"hour": 9, "minute": 59, "second": 51}
